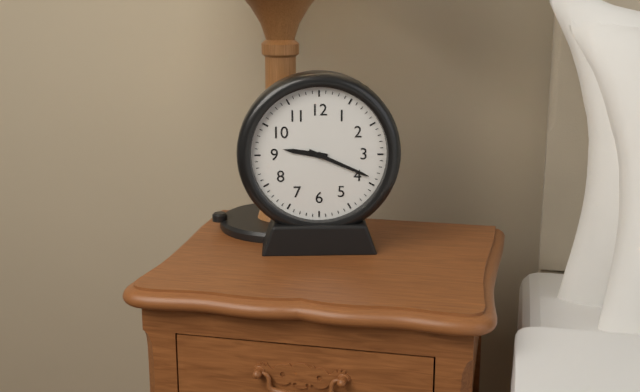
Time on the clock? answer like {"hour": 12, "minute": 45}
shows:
{"hour": 9, "minute": 19}
